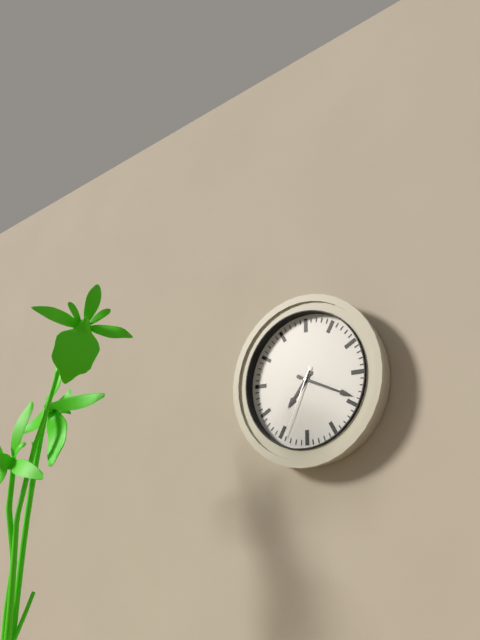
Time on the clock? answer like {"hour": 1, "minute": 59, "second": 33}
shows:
{"hour": 7, "minute": 19, "second": 34}
